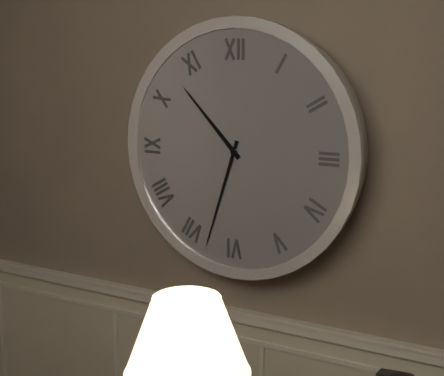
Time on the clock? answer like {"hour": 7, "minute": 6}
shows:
{"hour": 10, "minute": 33}
